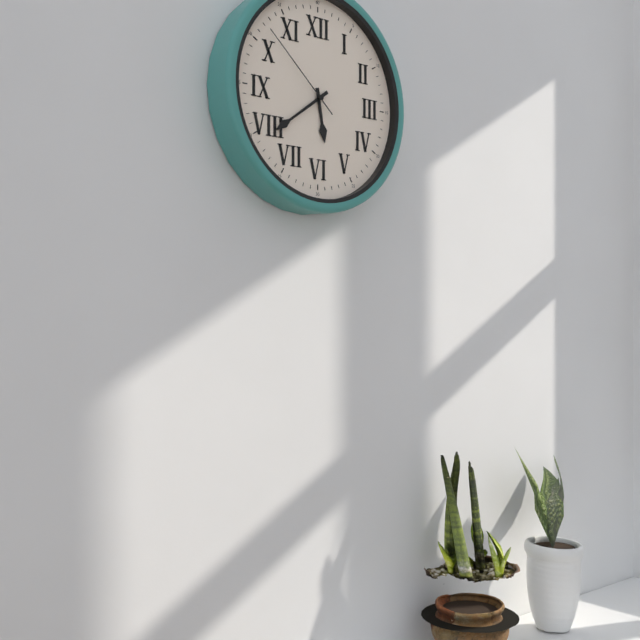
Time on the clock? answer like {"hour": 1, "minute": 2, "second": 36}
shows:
{"hour": 5, "minute": 39, "second": 52}
